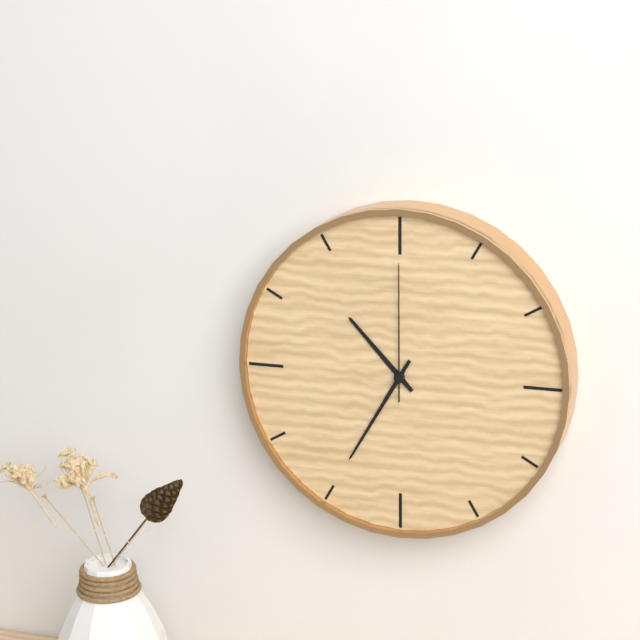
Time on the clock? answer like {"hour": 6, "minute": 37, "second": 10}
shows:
{"hour": 10, "minute": 35, "second": 0}
